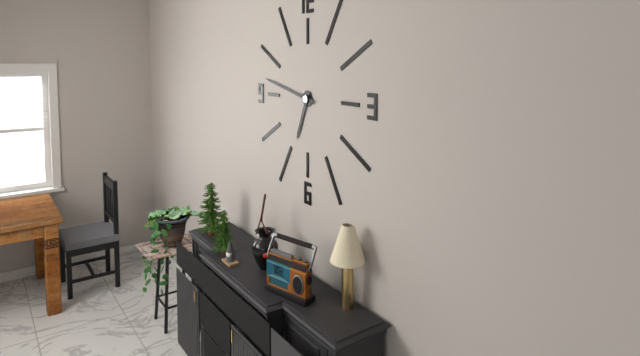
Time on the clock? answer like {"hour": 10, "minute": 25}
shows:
{"hour": 6, "minute": 47}
